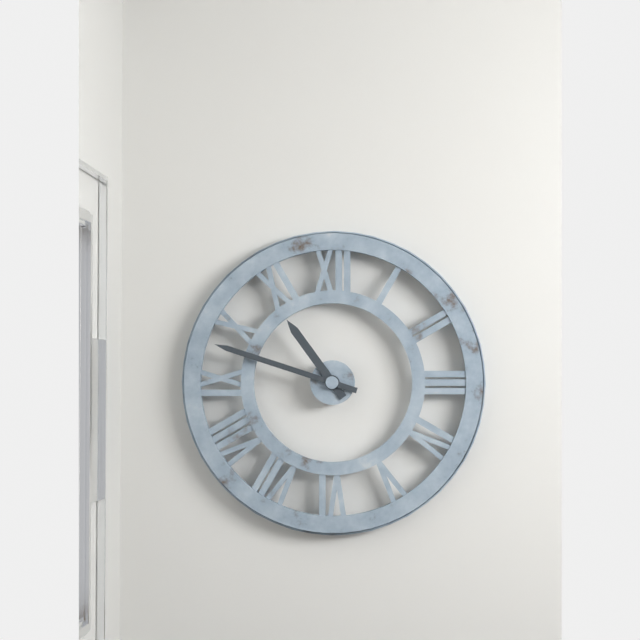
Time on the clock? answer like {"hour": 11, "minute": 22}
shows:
{"hour": 10, "minute": 48}
